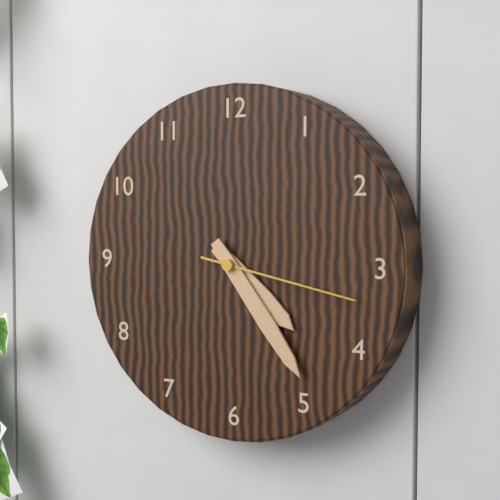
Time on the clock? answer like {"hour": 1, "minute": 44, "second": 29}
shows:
{"hour": 4, "minute": 24, "second": 17}
